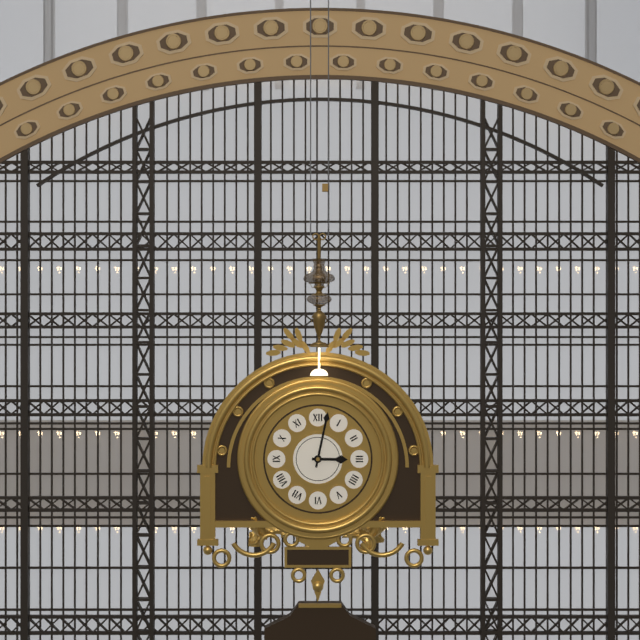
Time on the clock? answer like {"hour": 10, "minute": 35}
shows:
{"hour": 3, "minute": 2}
